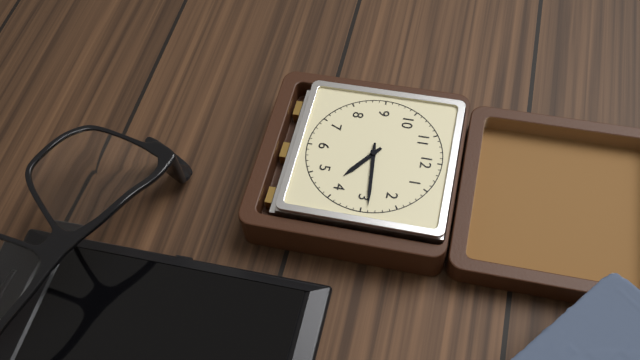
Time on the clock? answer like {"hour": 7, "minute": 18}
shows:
{"hour": 4, "minute": 14}
